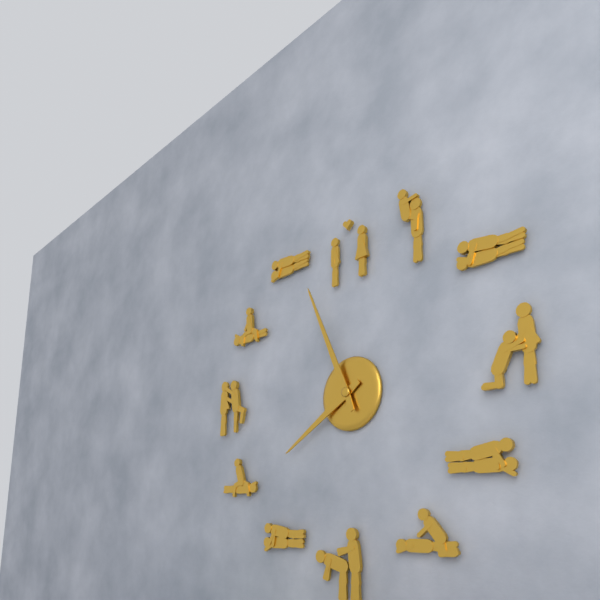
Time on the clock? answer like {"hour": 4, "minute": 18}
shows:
{"hour": 7, "minute": 56}
